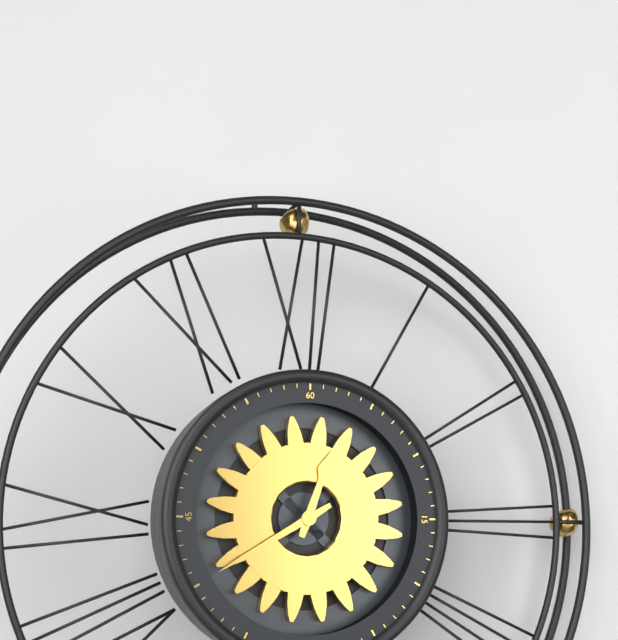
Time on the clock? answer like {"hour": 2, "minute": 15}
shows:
{"hour": 12, "minute": 40}
